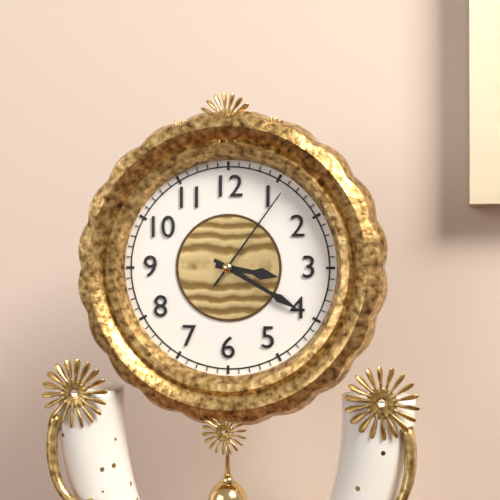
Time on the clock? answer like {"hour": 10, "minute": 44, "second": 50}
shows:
{"hour": 3, "minute": 20, "second": 6}
